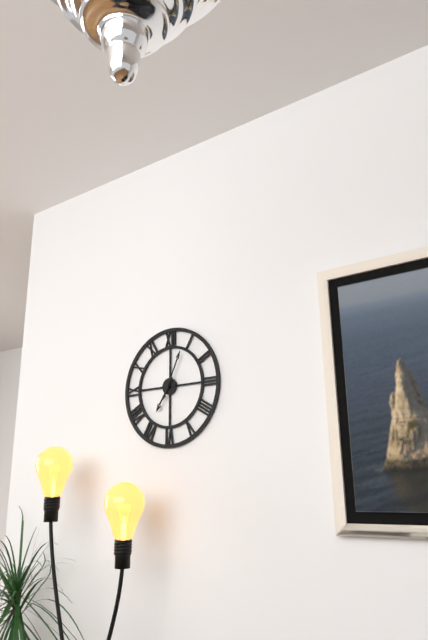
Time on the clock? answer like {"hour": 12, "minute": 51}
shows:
{"hour": 7, "minute": 4}
